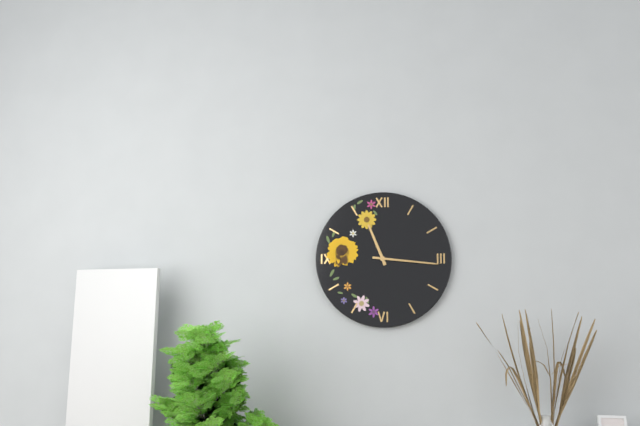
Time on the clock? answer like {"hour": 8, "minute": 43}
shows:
{"hour": 11, "minute": 16}
